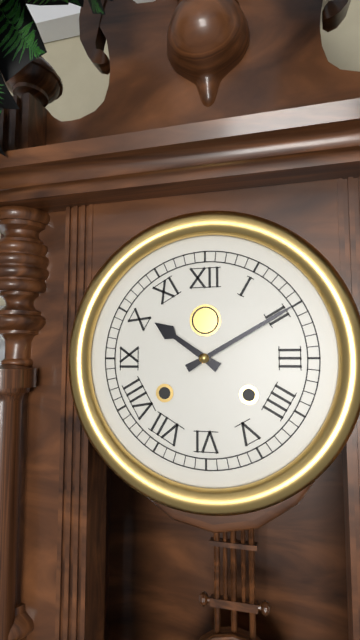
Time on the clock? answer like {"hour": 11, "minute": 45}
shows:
{"hour": 10, "minute": 10}
